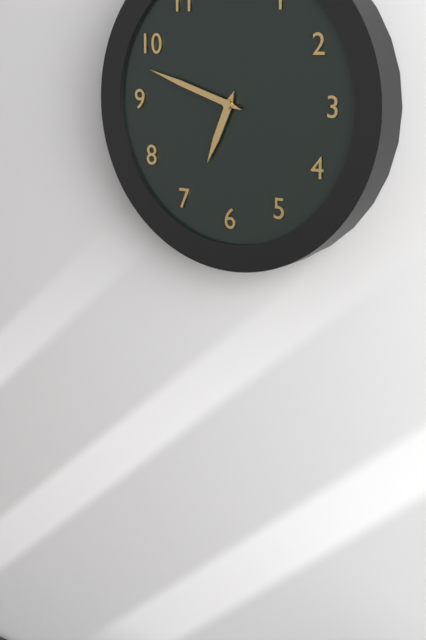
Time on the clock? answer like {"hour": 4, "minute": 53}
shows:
{"hour": 6, "minute": 48}
